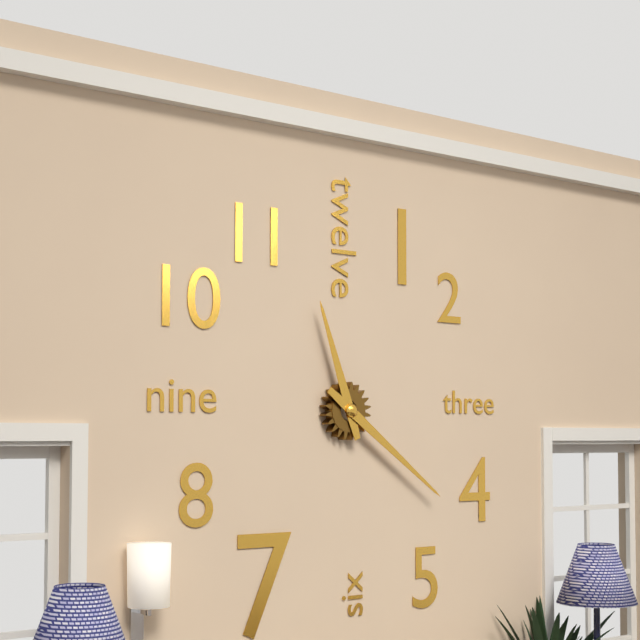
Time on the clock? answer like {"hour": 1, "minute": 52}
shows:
{"hour": 11, "minute": 21}
